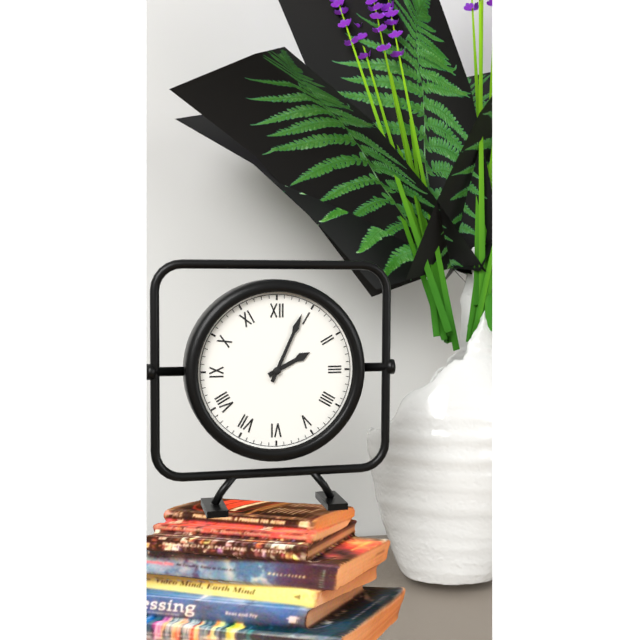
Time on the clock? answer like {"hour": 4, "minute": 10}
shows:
{"hour": 2, "minute": 4}
